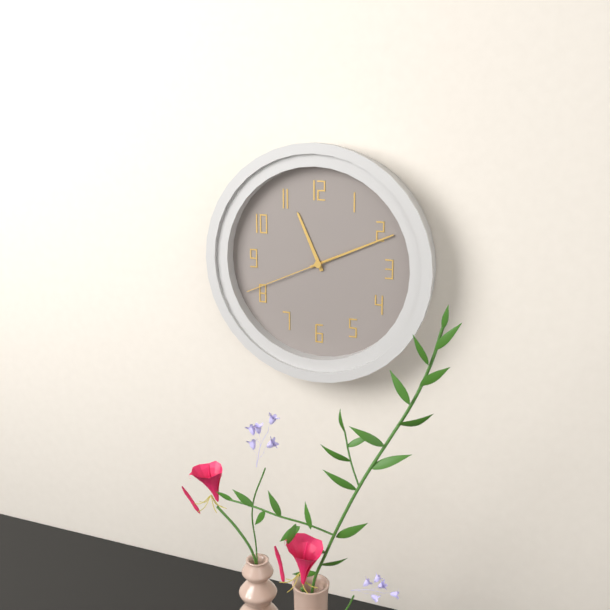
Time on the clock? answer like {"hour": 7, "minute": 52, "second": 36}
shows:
{"hour": 11, "minute": 11, "second": 41}
